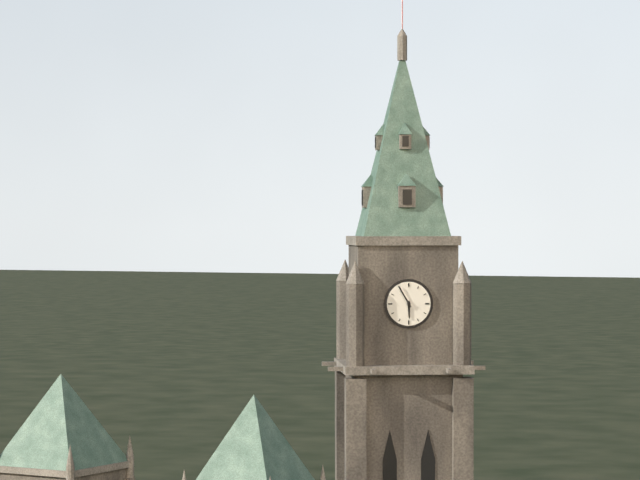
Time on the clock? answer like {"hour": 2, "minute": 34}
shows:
{"hour": 5, "minute": 55}
